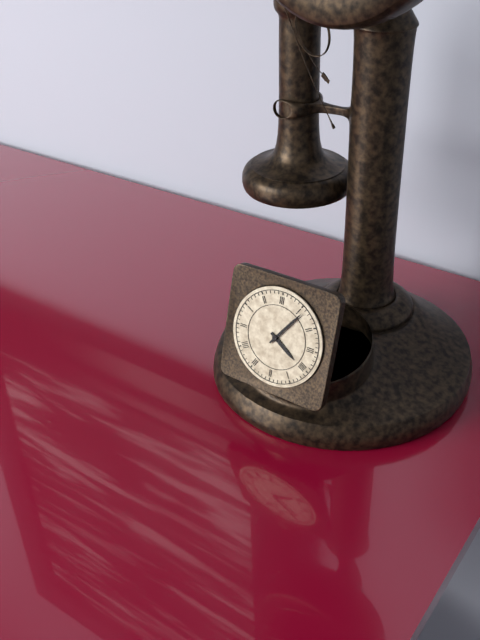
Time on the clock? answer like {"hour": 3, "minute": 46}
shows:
{"hour": 4, "minute": 6}
